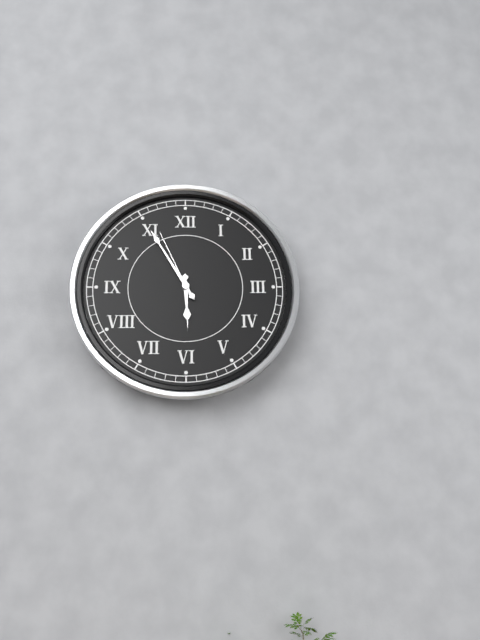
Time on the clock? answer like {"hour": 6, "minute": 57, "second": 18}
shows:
{"hour": 5, "minute": 55, "second": 56}
